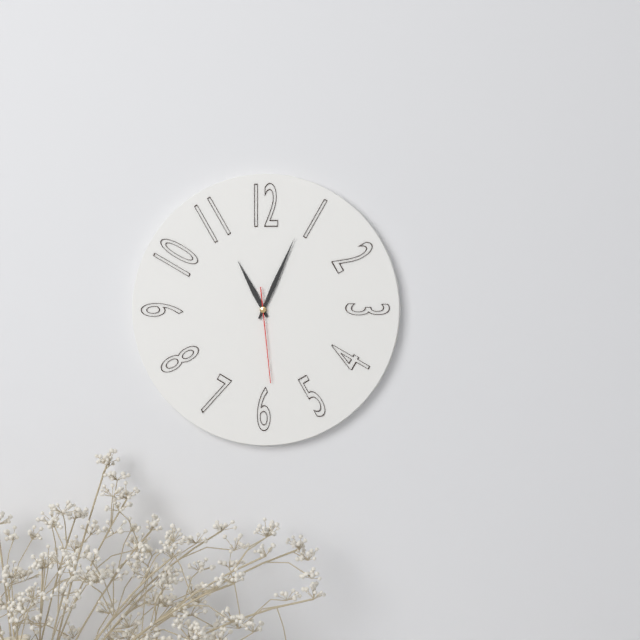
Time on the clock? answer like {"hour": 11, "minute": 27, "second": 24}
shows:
{"hour": 11, "minute": 4, "second": 29}
